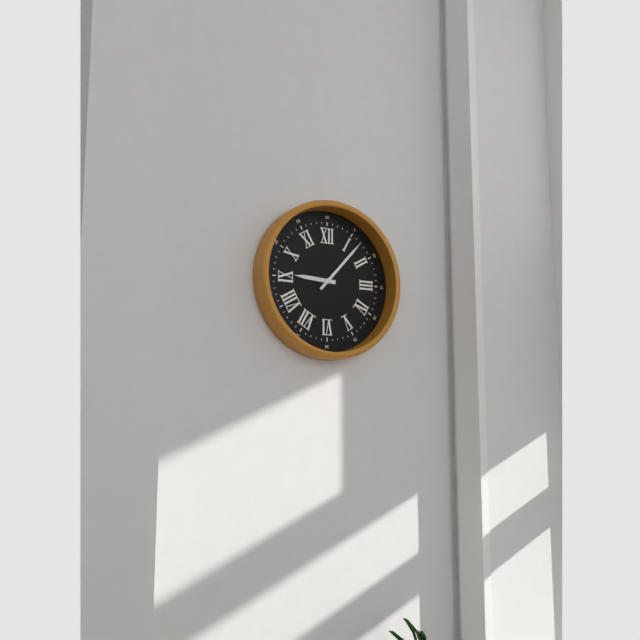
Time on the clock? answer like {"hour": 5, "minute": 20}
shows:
{"hour": 9, "minute": 7}
